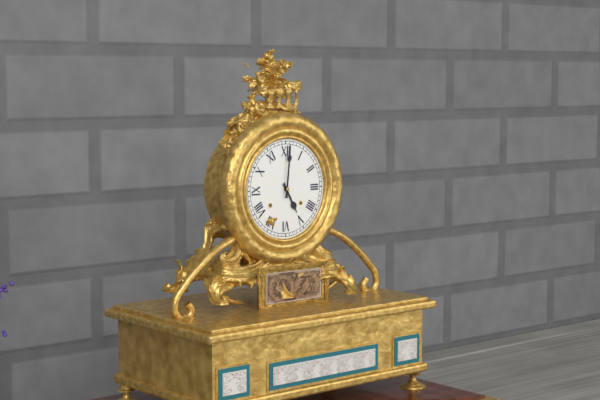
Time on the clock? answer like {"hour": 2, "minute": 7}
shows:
{"hour": 5, "minute": 1}
